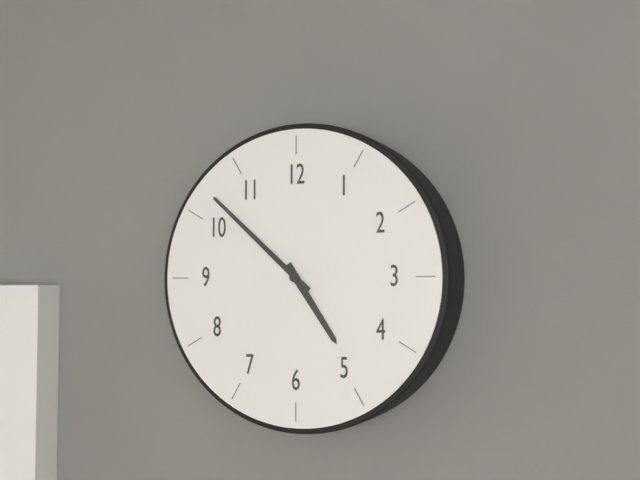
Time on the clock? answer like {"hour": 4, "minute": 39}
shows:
{"hour": 4, "minute": 52}
